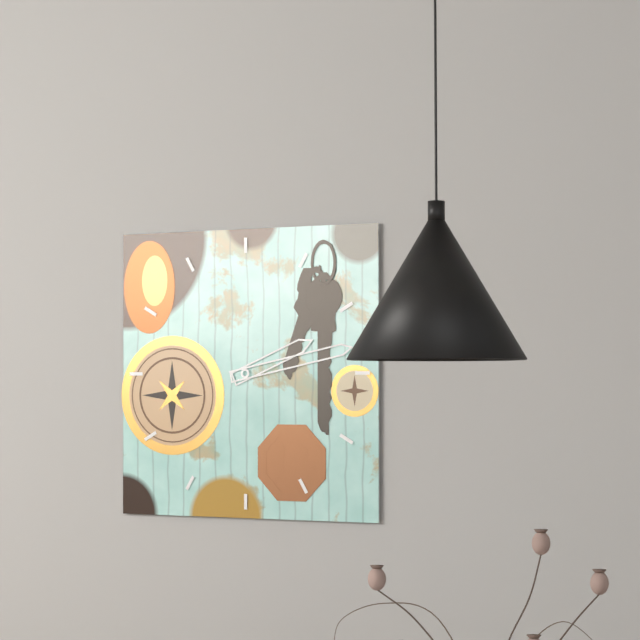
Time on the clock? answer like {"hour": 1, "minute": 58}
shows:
{"hour": 2, "minute": 13}
